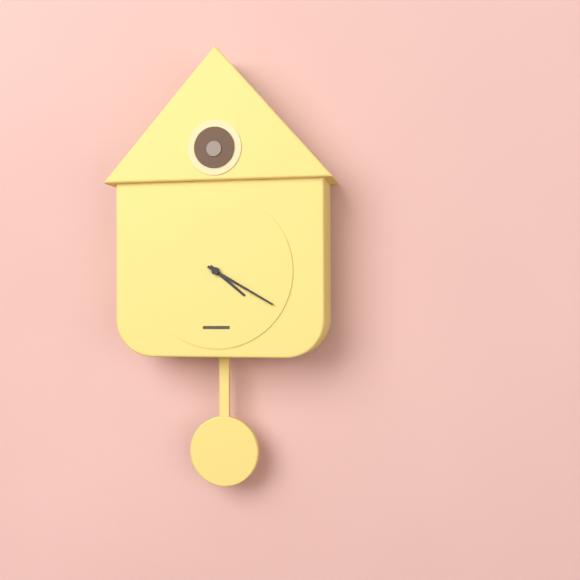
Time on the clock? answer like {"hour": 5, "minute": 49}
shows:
{"hour": 4, "minute": 20}
